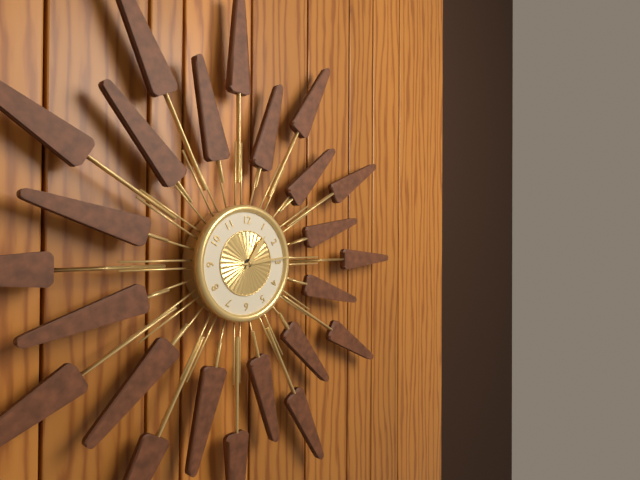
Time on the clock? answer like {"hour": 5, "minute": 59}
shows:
{"hour": 1, "minute": 14}
